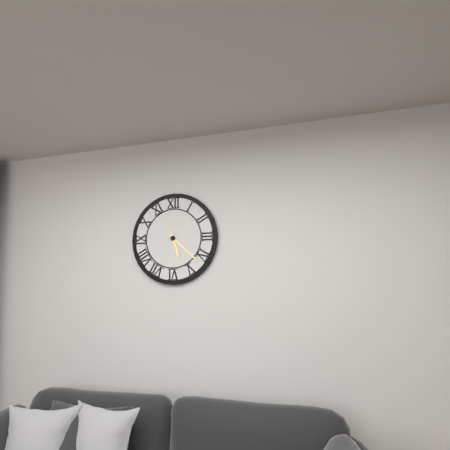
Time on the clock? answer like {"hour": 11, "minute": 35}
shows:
{"hour": 5, "minute": 22}
